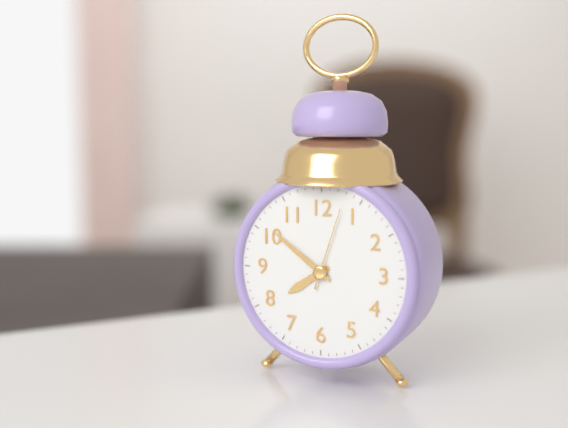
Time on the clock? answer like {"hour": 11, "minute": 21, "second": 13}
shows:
{"hour": 7, "minute": 51, "second": 3}
